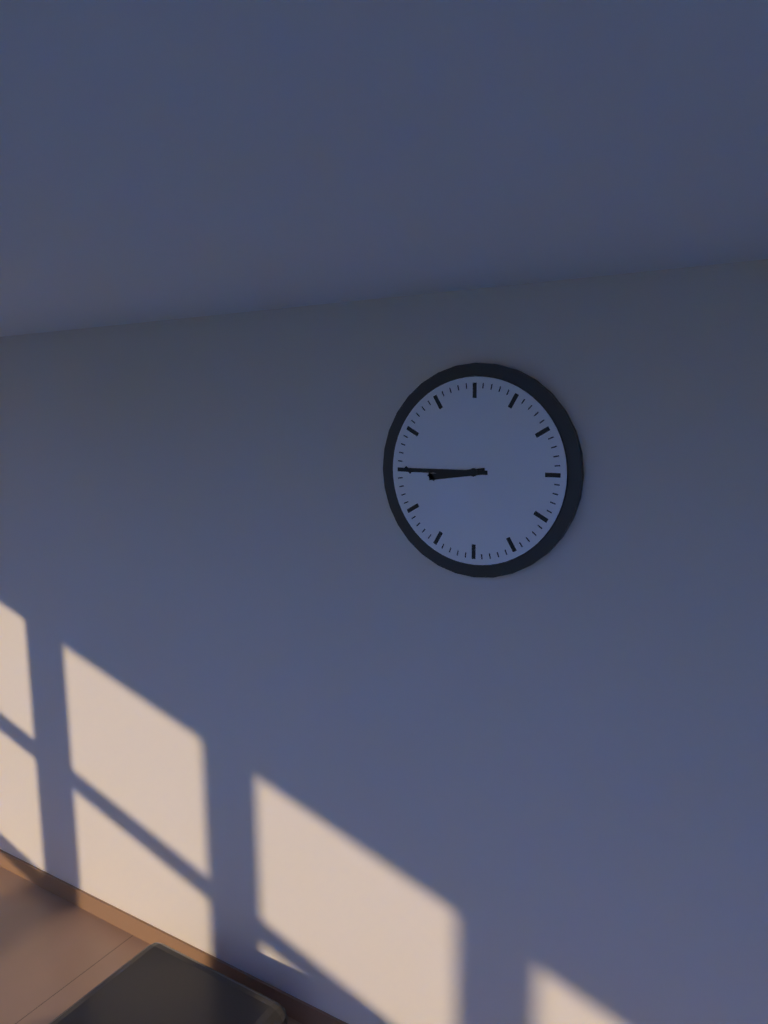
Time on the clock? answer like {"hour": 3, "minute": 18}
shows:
{"hour": 8, "minute": 45}
